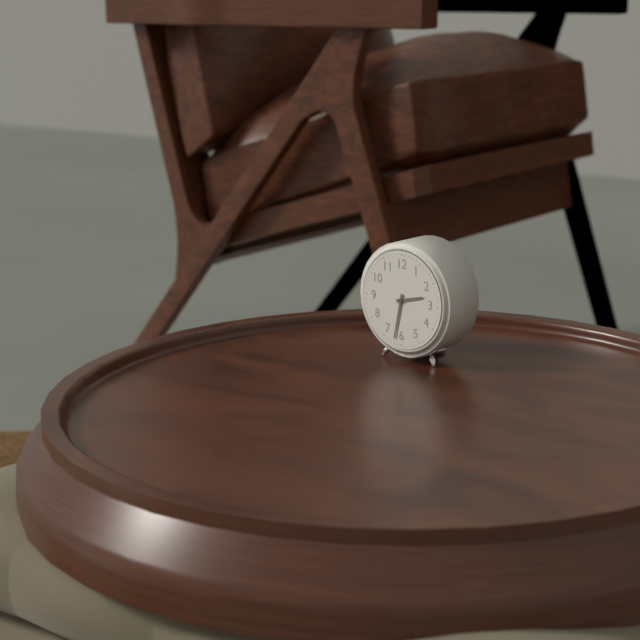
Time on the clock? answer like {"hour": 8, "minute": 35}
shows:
{"hour": 2, "minute": 32}
